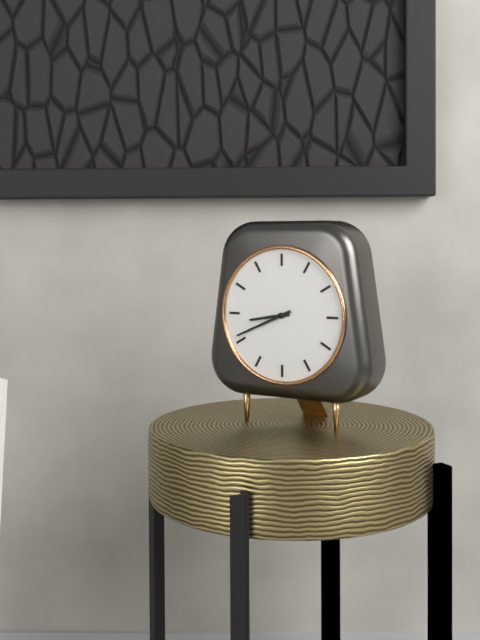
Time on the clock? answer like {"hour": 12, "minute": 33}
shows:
{"hour": 8, "minute": 41}
